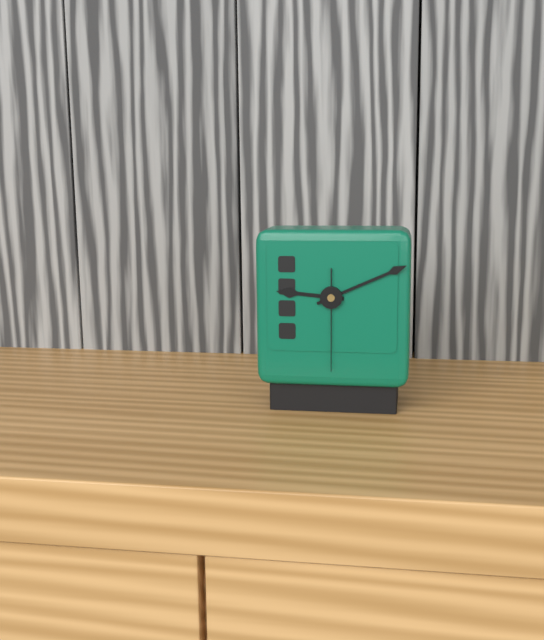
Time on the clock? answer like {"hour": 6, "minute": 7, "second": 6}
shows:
{"hour": 9, "minute": 11, "second": 30}
